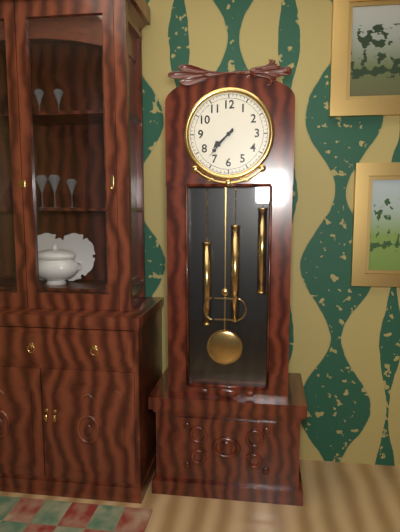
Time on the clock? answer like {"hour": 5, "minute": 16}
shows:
{"hour": 7, "minute": 37}
